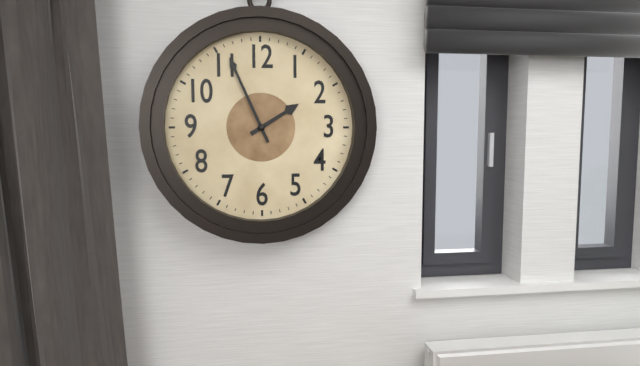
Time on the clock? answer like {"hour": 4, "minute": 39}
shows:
{"hour": 1, "minute": 56}
